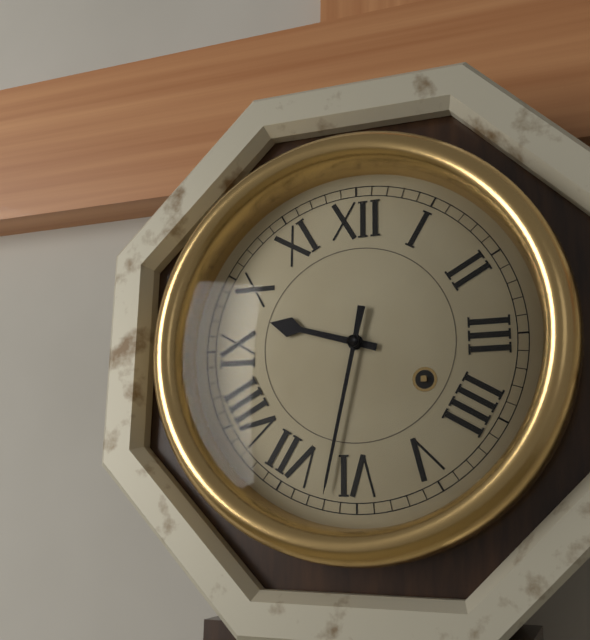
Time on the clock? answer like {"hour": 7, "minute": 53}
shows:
{"hour": 9, "minute": 32}
